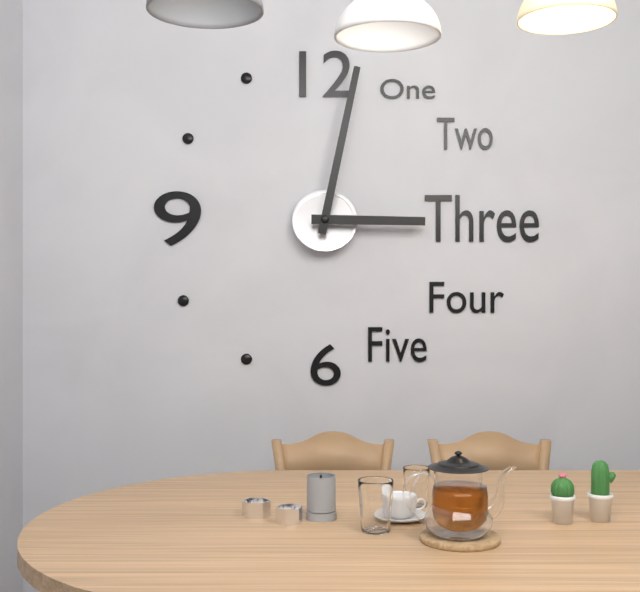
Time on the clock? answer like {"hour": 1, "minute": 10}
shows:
{"hour": 3, "minute": 2}
